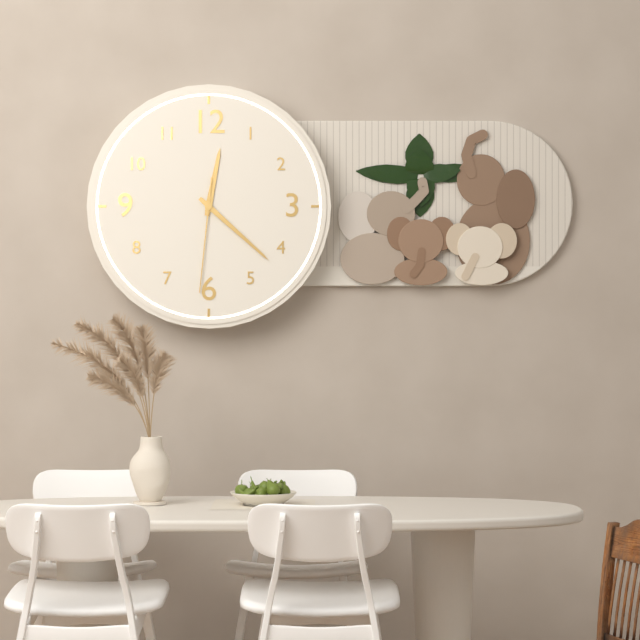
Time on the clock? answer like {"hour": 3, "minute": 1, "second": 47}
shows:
{"hour": 12, "minute": 22, "second": 31}
